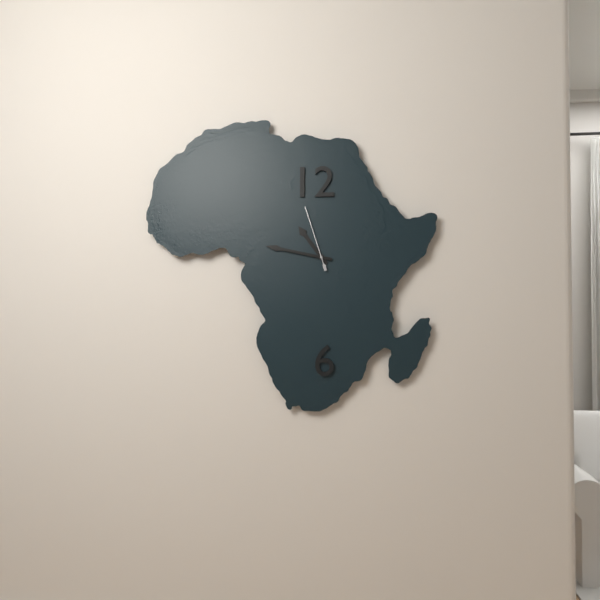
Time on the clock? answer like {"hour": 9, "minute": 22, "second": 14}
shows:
{"hour": 10, "minute": 47, "second": 57}
